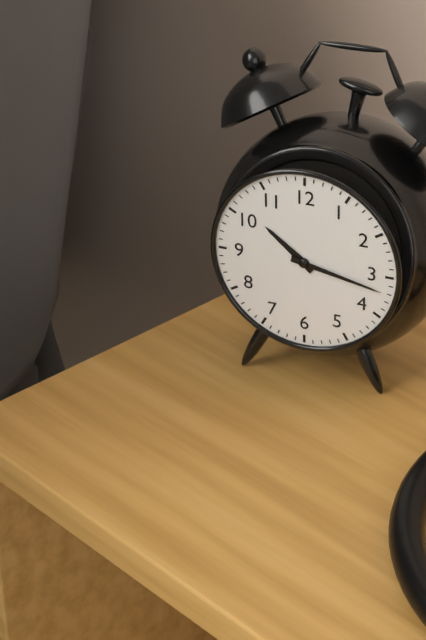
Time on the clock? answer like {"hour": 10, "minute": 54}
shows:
{"hour": 10, "minute": 17}
